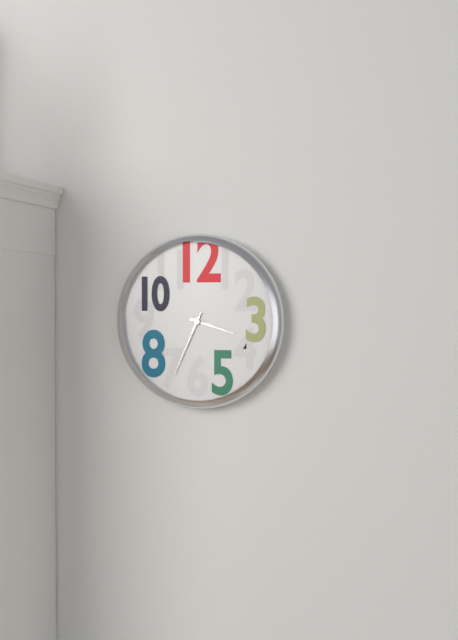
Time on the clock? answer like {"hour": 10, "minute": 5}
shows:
{"hour": 3, "minute": 34}
